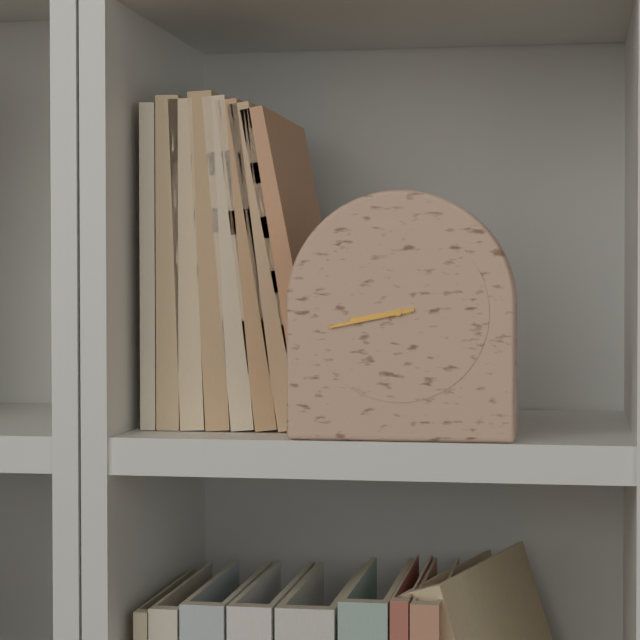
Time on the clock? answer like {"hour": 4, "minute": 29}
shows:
{"hour": 8, "minute": 43}
